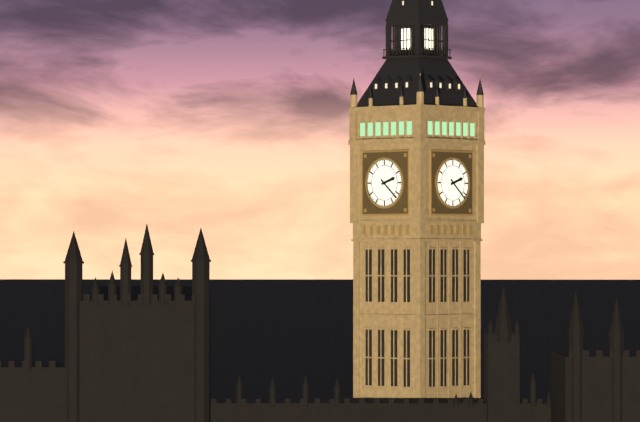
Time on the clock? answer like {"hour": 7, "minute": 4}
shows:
{"hour": 2, "minute": 22}
